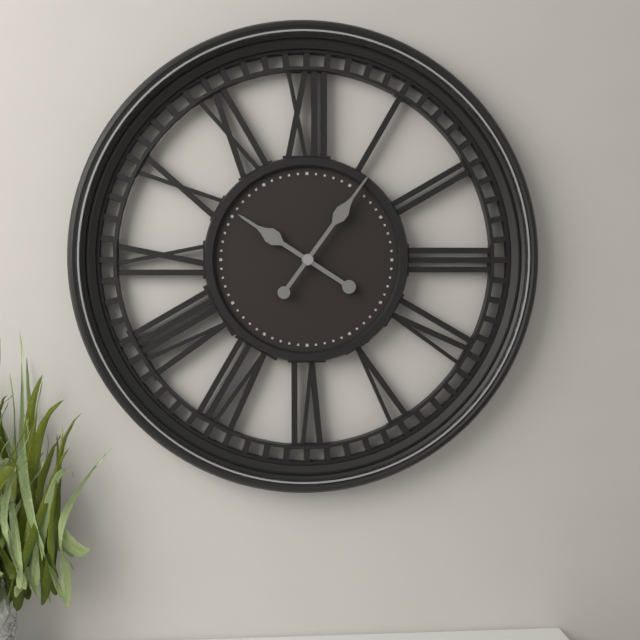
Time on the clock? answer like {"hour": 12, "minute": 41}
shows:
{"hour": 10, "minute": 6}
